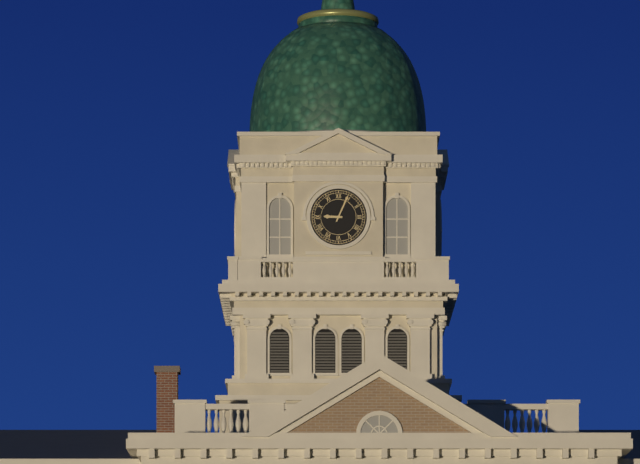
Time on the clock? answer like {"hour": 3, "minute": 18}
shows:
{"hour": 9, "minute": 4}
